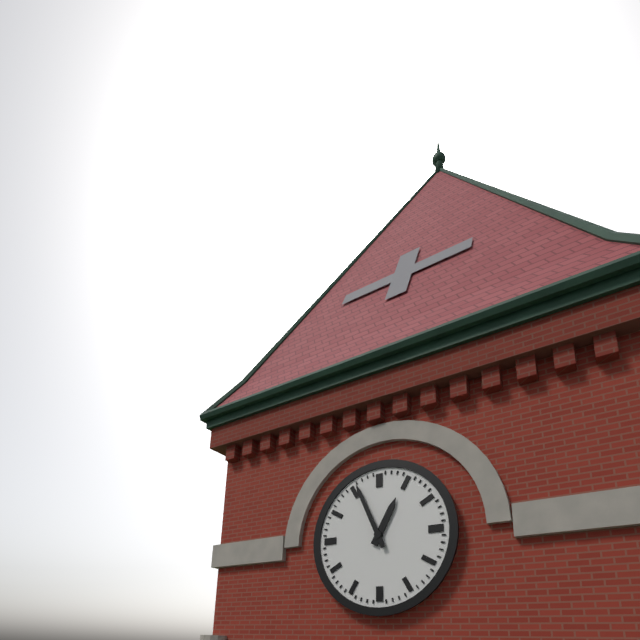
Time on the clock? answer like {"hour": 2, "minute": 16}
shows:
{"hour": 12, "minute": 56}
